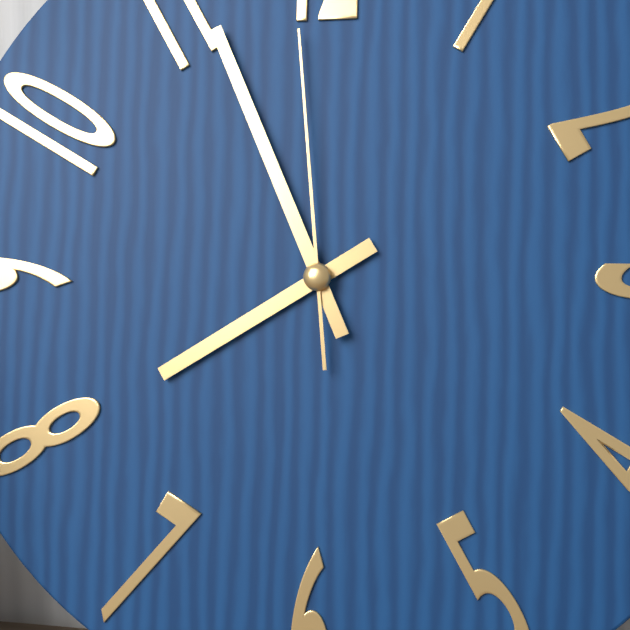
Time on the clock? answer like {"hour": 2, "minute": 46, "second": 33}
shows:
{"hour": 7, "minute": 56, "second": 59}
